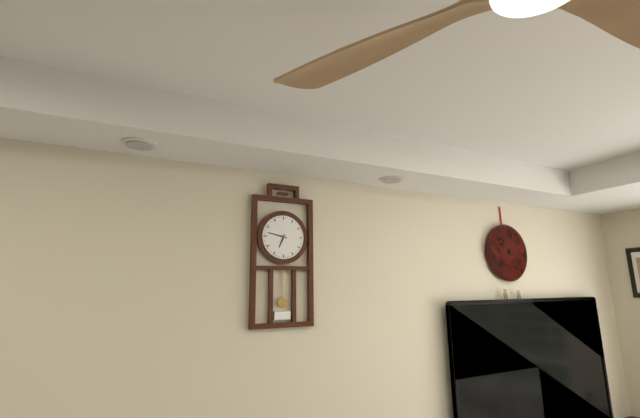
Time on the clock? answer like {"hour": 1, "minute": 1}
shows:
{"hour": 6, "minute": 47}
